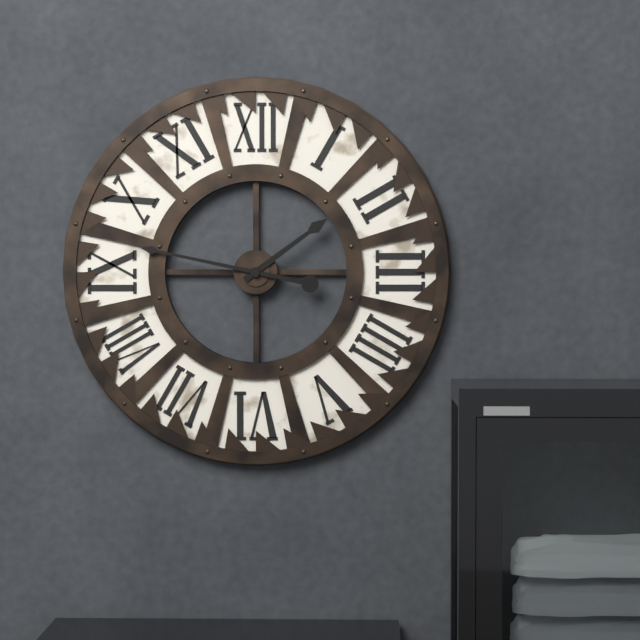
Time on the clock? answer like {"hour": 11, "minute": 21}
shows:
{"hour": 1, "minute": 47}
